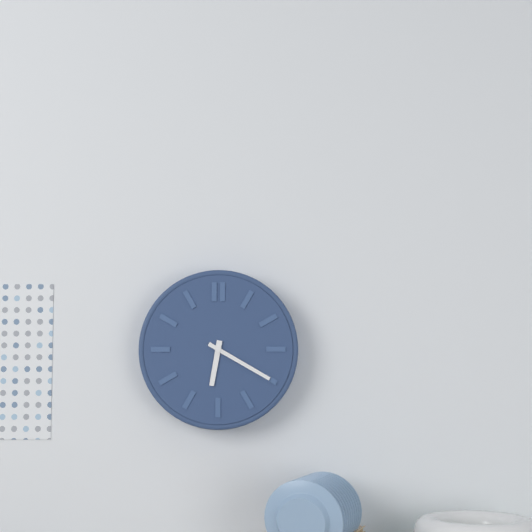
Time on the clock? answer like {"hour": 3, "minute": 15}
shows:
{"hour": 6, "minute": 20}
